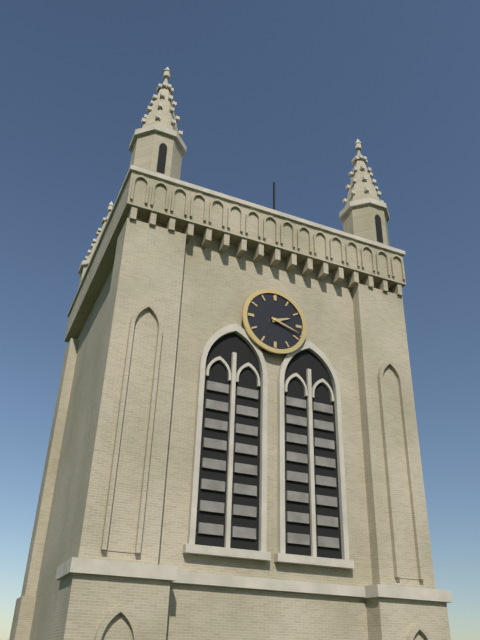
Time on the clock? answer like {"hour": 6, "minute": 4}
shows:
{"hour": 2, "minute": 18}
